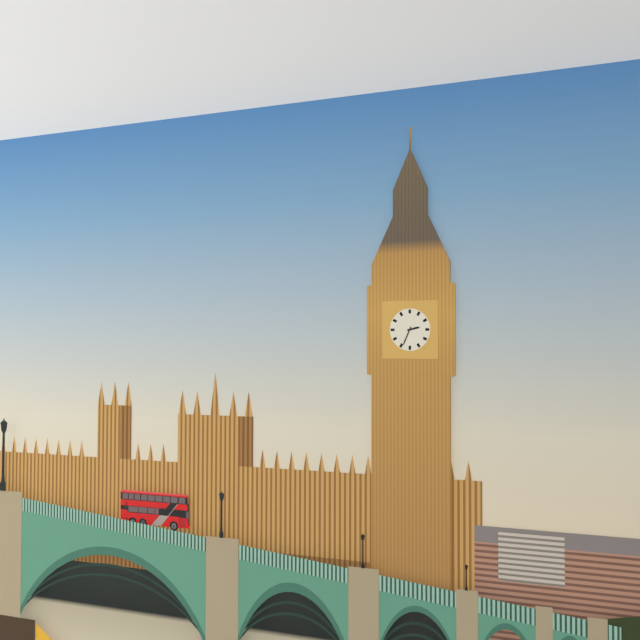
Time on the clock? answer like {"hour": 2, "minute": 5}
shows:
{"hour": 2, "minute": 34}
